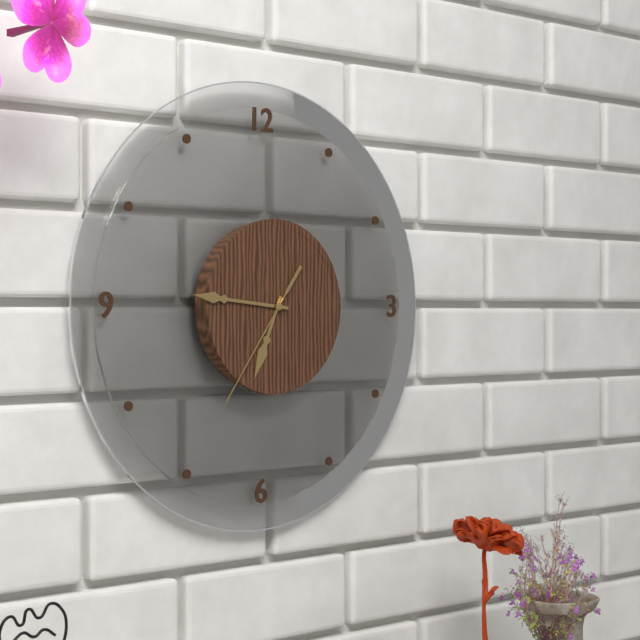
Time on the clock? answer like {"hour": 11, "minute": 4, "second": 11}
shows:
{"hour": 6, "minute": 46, "second": 36}
